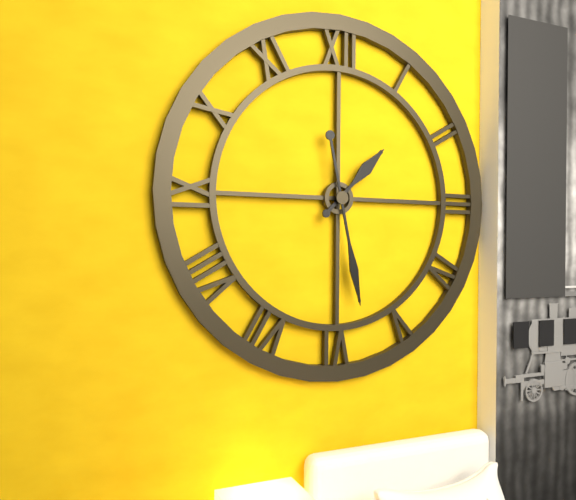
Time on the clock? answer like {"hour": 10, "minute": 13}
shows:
{"hour": 1, "minute": 28}
